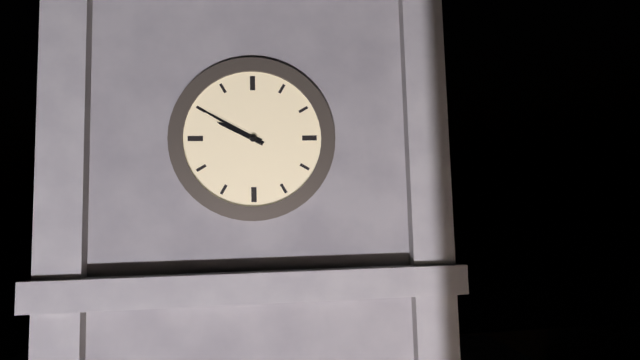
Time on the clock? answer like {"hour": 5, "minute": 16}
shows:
{"hour": 9, "minute": 50}
